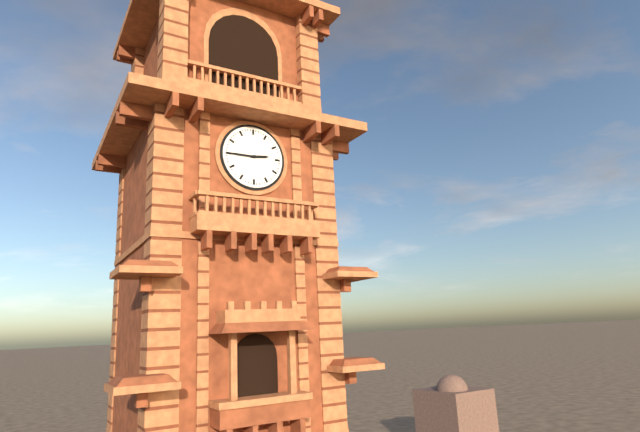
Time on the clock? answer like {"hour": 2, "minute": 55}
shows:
{"hour": 2, "minute": 45}
